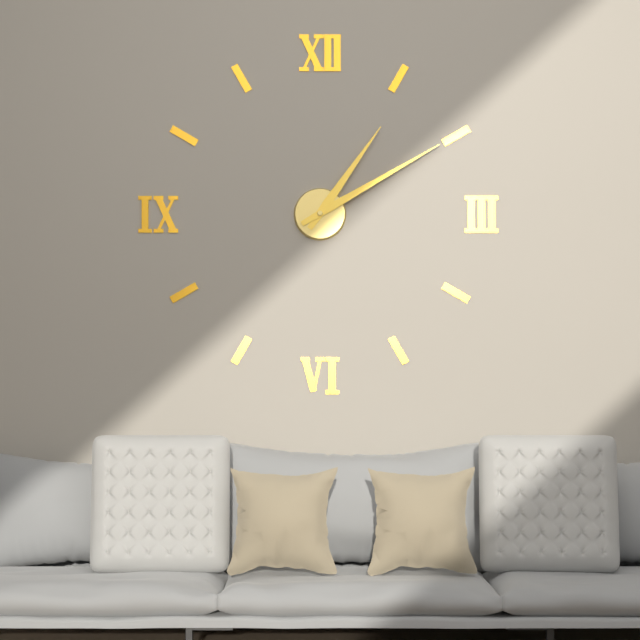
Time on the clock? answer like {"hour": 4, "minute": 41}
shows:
{"hour": 1, "minute": 10}
